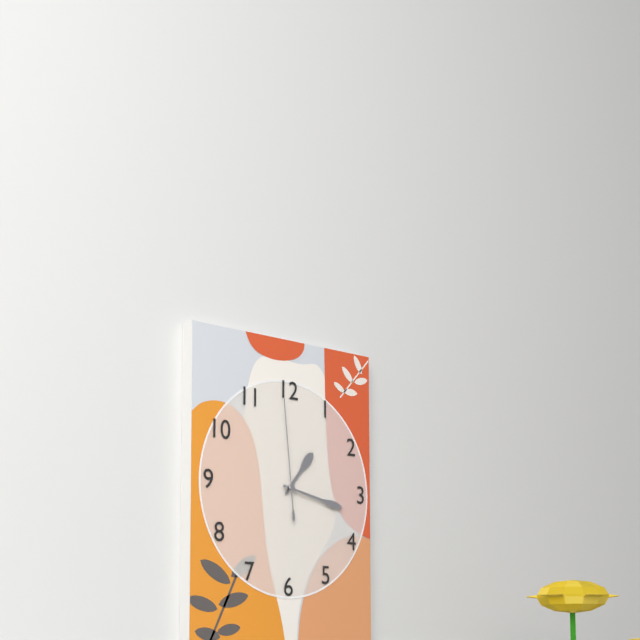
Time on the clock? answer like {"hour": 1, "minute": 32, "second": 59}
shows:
{"hour": 1, "minute": 17, "second": 59}
